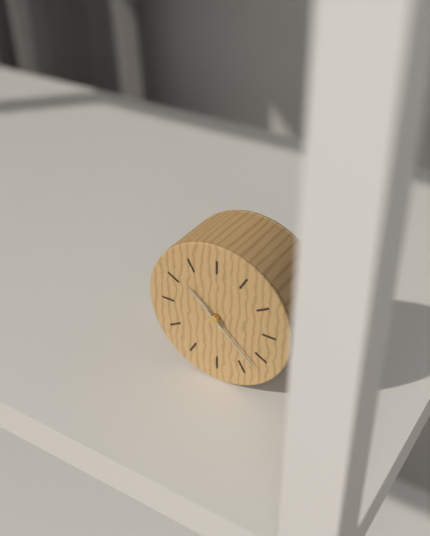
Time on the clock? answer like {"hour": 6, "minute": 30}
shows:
{"hour": 10, "minute": 22}
